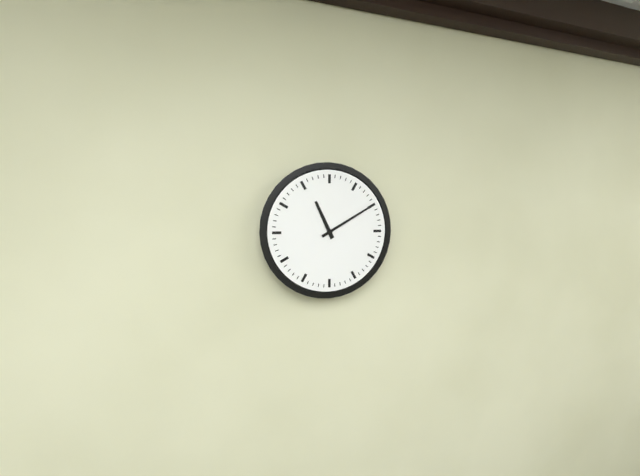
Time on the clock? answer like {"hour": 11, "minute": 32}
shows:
{"hour": 11, "minute": 10}
